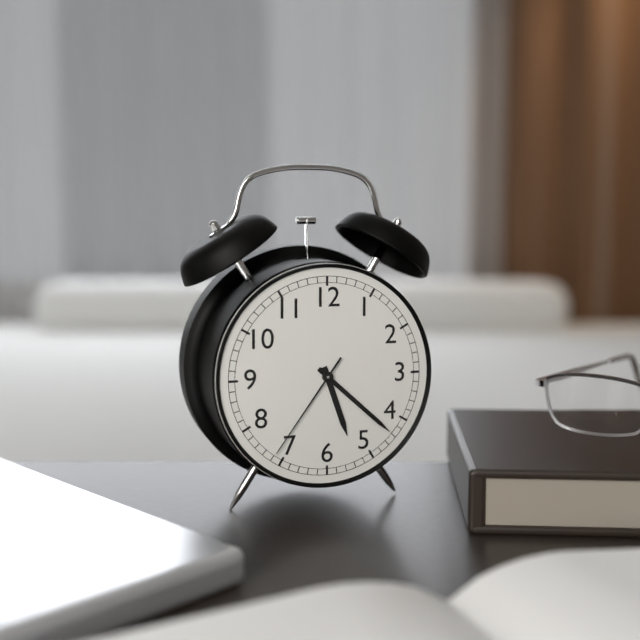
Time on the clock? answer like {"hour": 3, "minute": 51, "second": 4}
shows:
{"hour": 5, "minute": 22, "second": 36}
